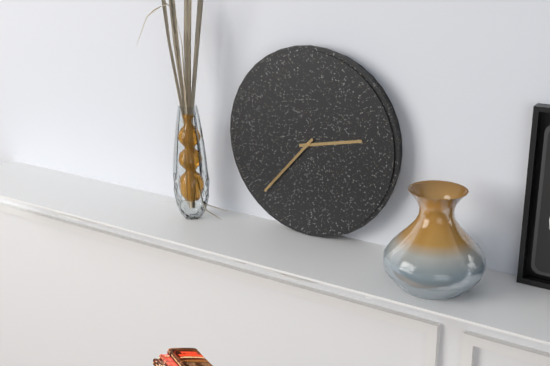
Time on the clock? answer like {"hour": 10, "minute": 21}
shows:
{"hour": 2, "minute": 37}
